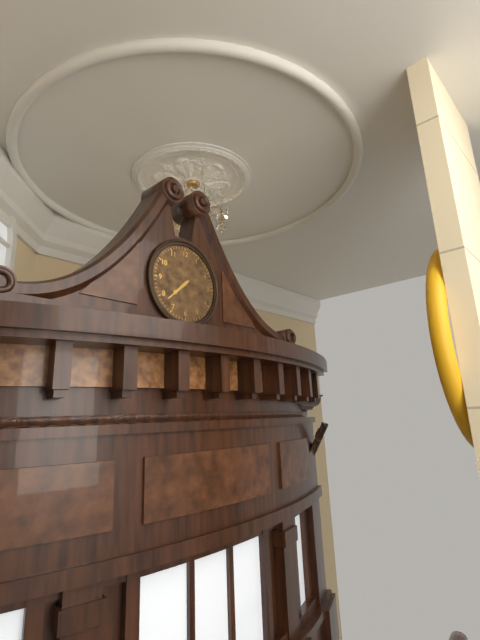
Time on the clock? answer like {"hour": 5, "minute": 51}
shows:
{"hour": 7, "minute": 38}
